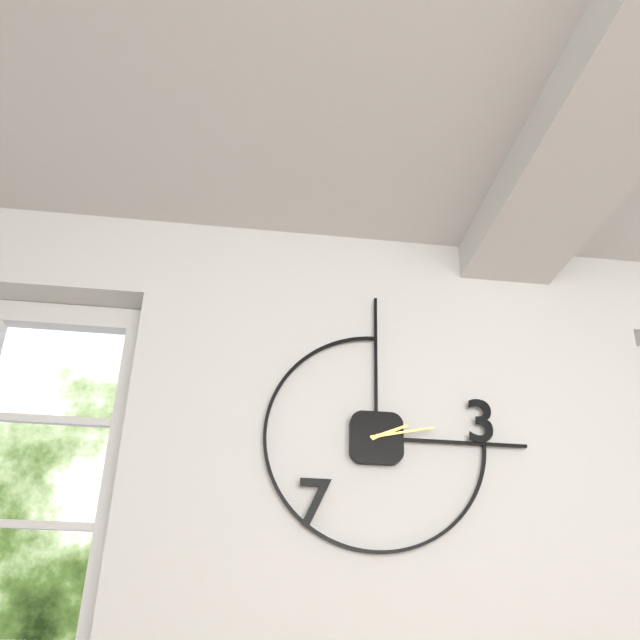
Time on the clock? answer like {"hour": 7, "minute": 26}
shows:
{"hour": 2, "minute": 13}
